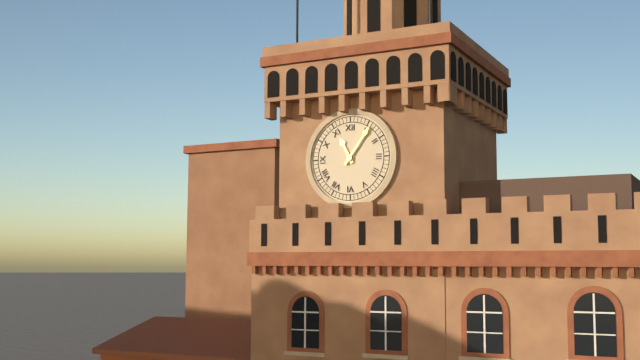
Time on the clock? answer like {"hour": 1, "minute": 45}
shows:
{"hour": 11, "minute": 6}
